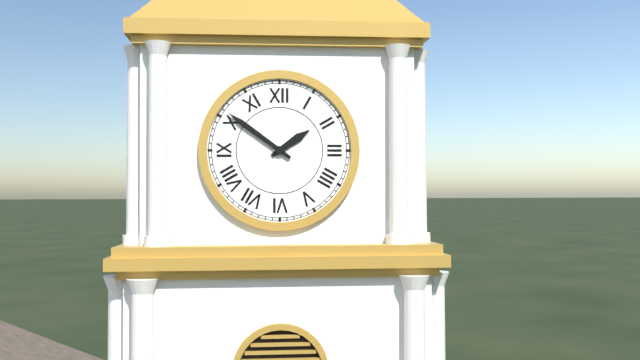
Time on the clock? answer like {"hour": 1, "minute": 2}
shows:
{"hour": 1, "minute": 51}
